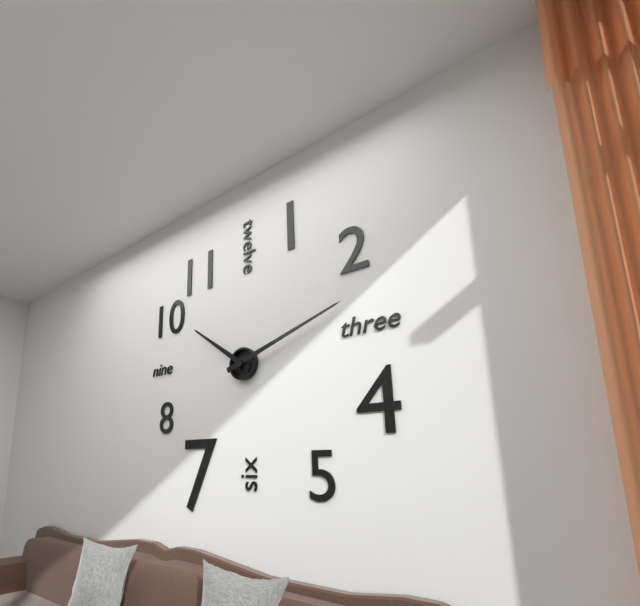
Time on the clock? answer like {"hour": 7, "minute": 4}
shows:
{"hour": 10, "minute": 12}
